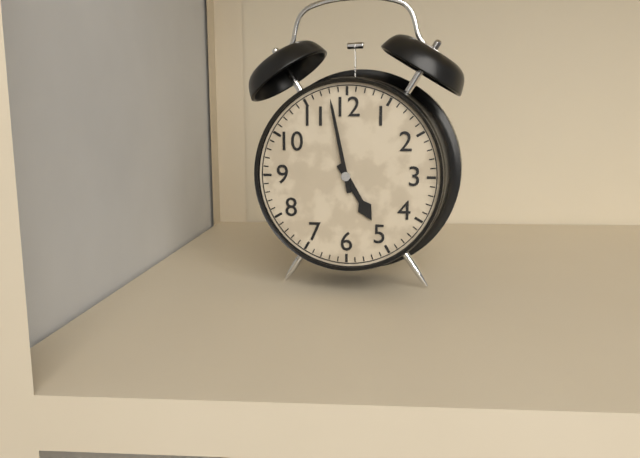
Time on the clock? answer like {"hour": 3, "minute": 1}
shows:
{"hour": 4, "minute": 58}
